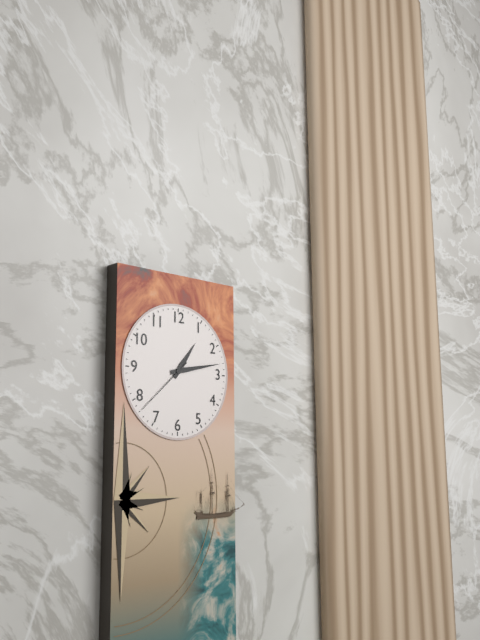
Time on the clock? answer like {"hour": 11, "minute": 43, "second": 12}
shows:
{"hour": 1, "minute": 13, "second": 38}
